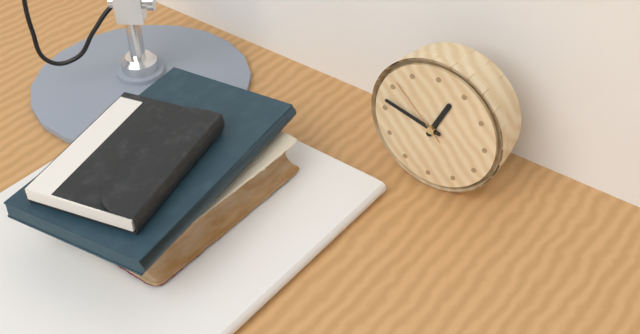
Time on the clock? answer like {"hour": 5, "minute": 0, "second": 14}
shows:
{"hour": 12, "minute": 47, "second": 52}
